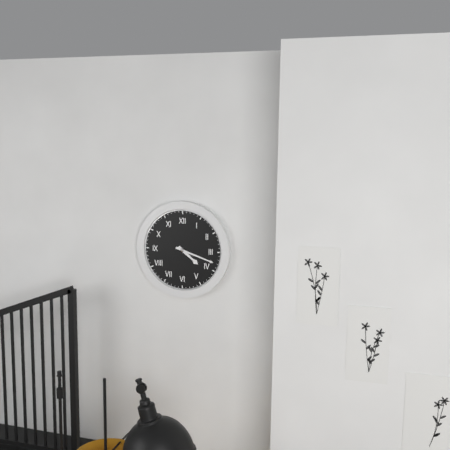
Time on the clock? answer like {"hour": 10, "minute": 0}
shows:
{"hour": 4, "minute": 18}
